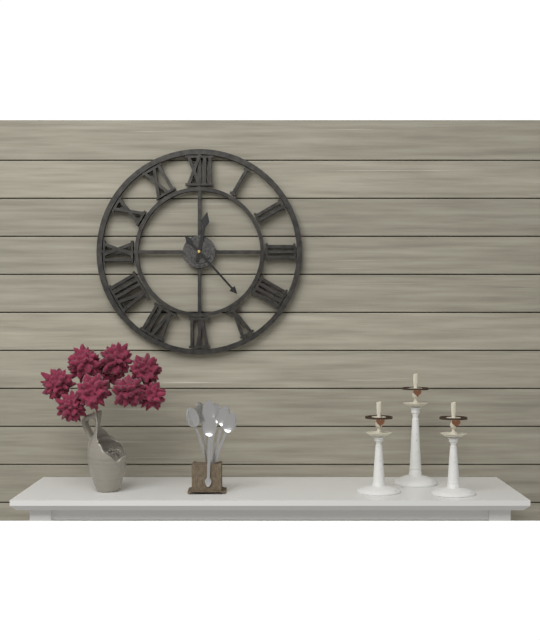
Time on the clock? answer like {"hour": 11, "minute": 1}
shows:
{"hour": 12, "minute": 23}
